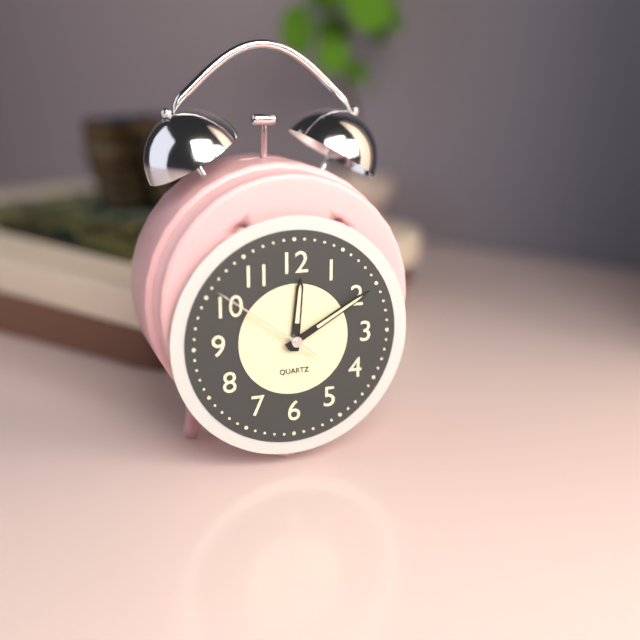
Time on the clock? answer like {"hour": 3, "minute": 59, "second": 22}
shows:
{"hour": 12, "minute": 10, "second": 51}
